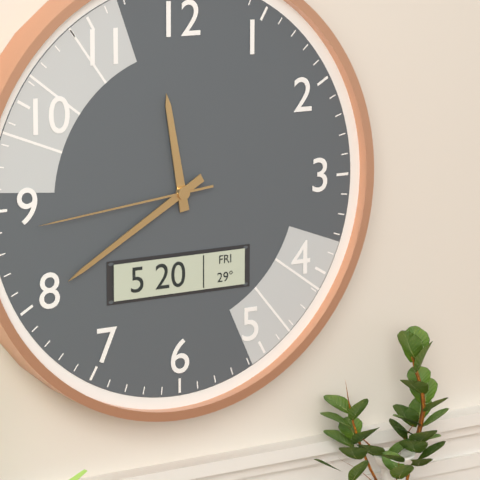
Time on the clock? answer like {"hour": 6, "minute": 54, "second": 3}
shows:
{"hour": 11, "minute": 40, "second": 44}
